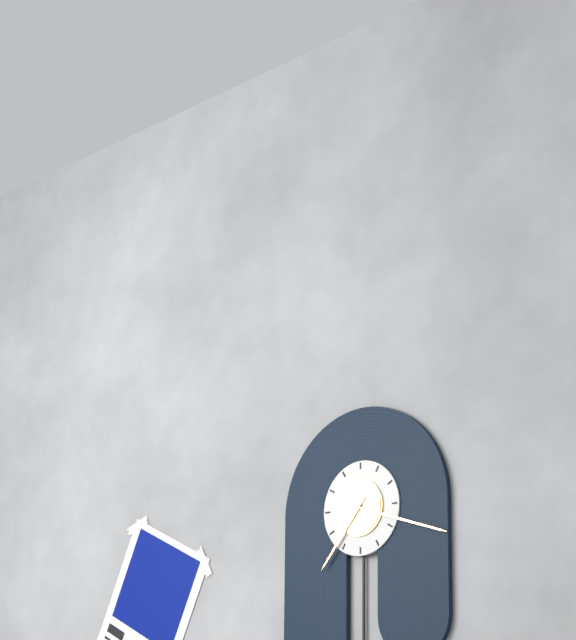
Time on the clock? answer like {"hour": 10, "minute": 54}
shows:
{"hour": 7, "minute": 18}
